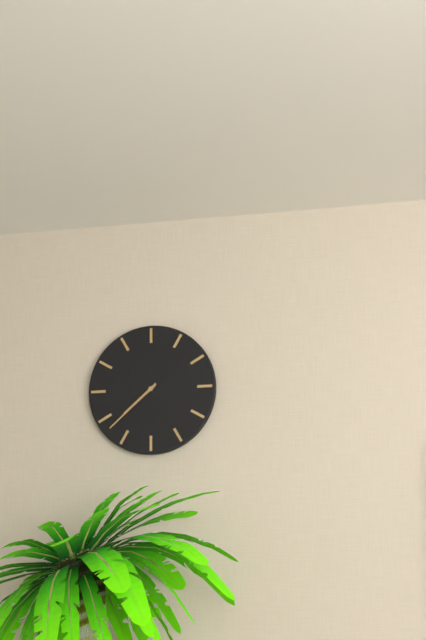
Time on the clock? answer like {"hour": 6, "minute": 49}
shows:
{"hour": 7, "minute": 38}
